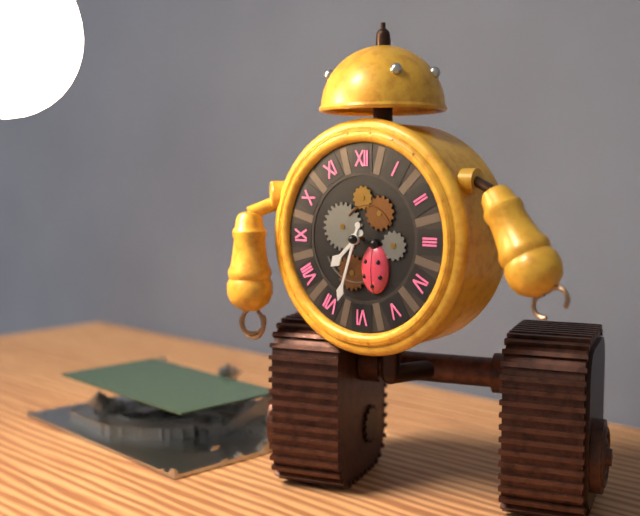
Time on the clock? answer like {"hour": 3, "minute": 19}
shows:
{"hour": 7, "minute": 33}
